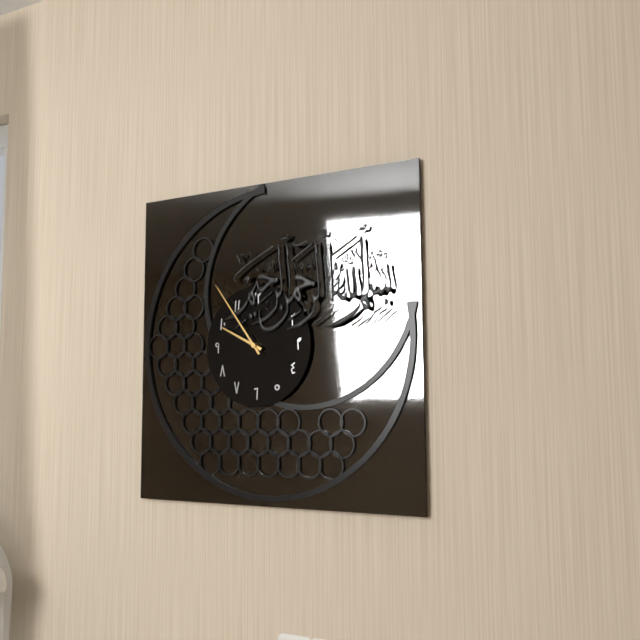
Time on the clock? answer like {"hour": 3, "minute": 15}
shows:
{"hour": 9, "minute": 54}
